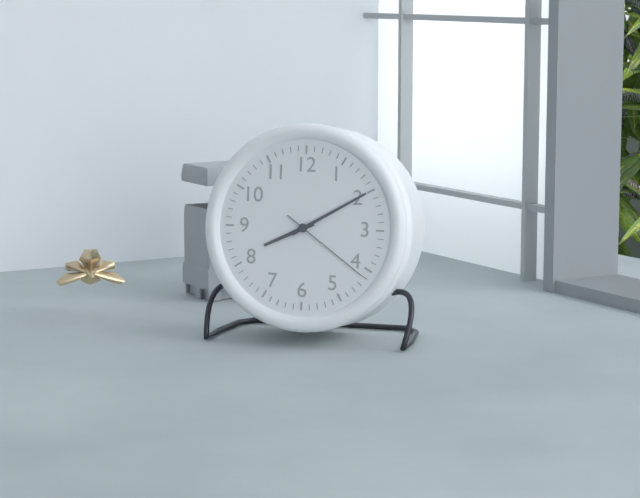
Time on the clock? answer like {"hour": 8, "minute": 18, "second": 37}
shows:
{"hour": 8, "minute": 10, "second": 21}
